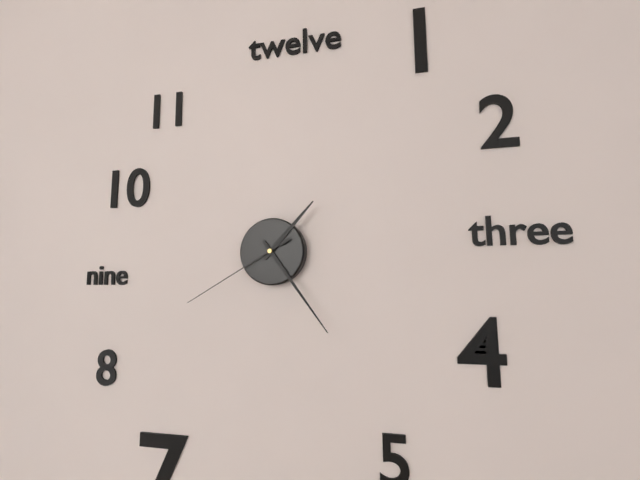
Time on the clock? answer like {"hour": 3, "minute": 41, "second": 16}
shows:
{"hour": 1, "minute": 24, "second": 40}
